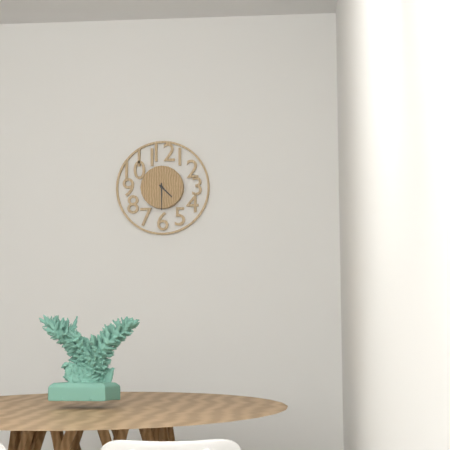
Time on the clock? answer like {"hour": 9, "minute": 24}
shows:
{"hour": 4, "minute": 30}
